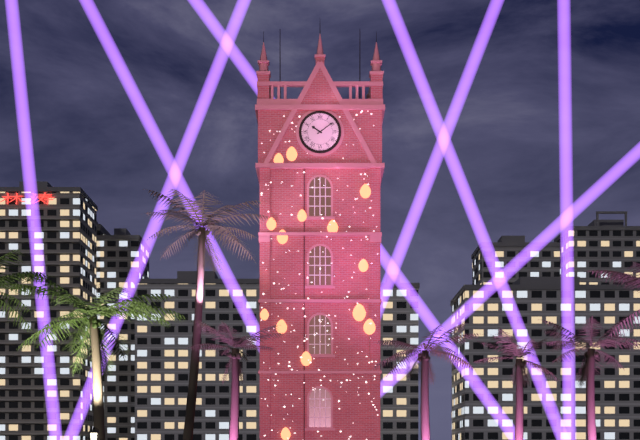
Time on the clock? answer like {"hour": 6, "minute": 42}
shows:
{"hour": 10, "minute": 9}
